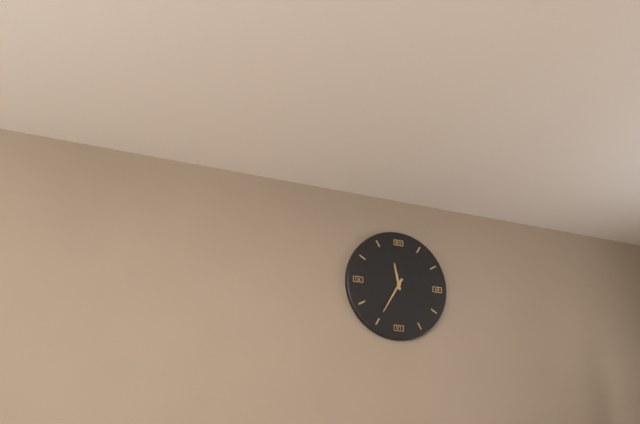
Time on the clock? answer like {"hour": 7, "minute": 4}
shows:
{"hour": 11, "minute": 35}
